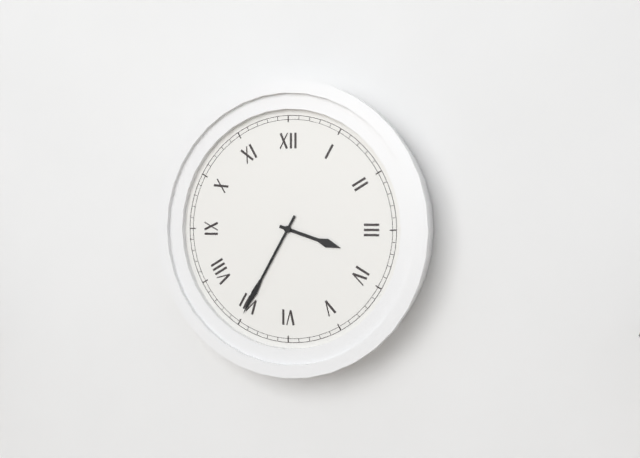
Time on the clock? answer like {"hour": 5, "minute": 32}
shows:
{"hour": 3, "minute": 35}
